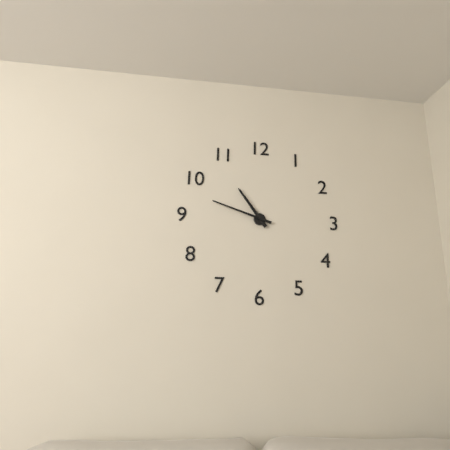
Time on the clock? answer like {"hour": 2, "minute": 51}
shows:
{"hour": 10, "minute": 48}
